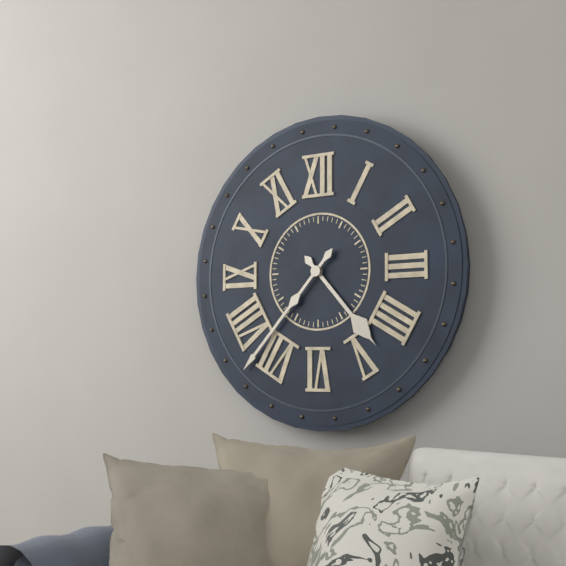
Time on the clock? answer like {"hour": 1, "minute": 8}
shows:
{"hour": 4, "minute": 37}
